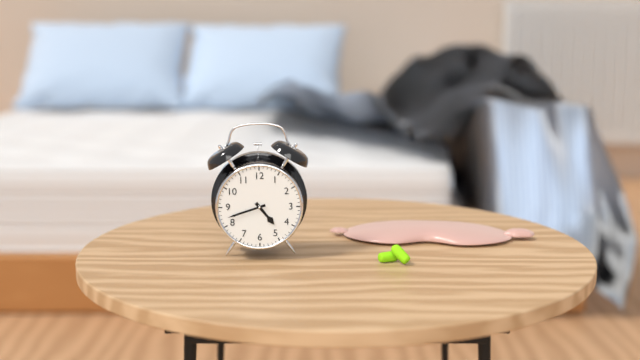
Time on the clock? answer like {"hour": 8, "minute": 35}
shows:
{"hour": 4, "minute": 42}
